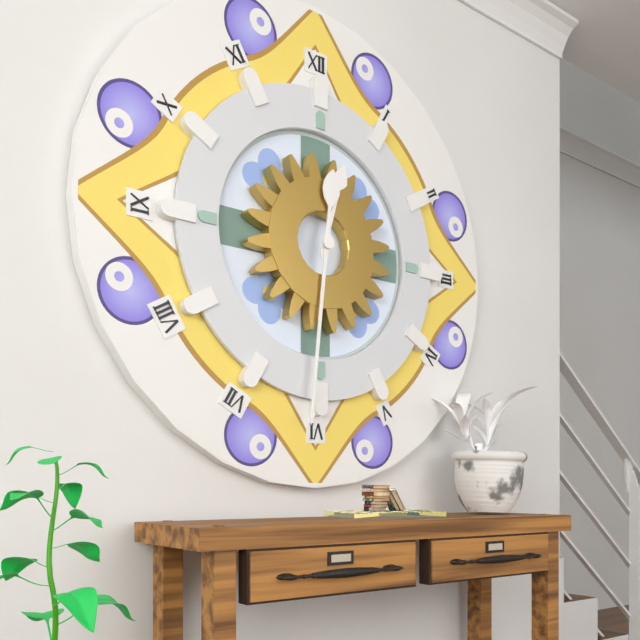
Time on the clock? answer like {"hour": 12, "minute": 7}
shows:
{"hour": 12, "minute": 31}
